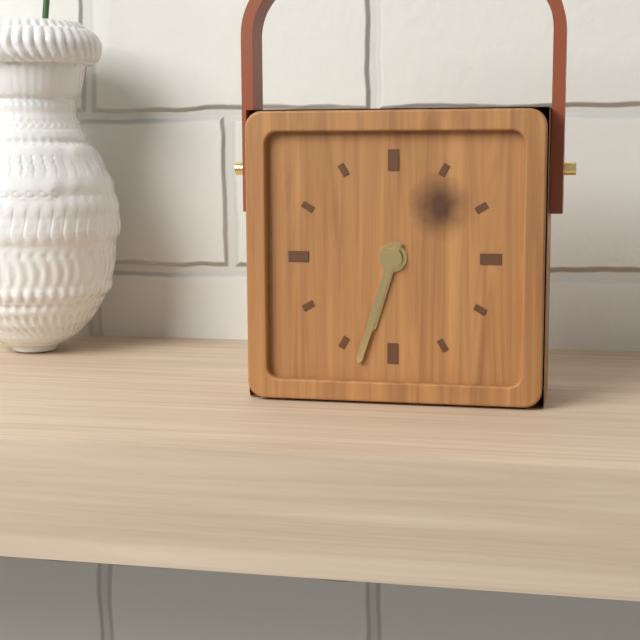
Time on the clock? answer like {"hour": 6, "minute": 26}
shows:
{"hour": 6, "minute": 33}
